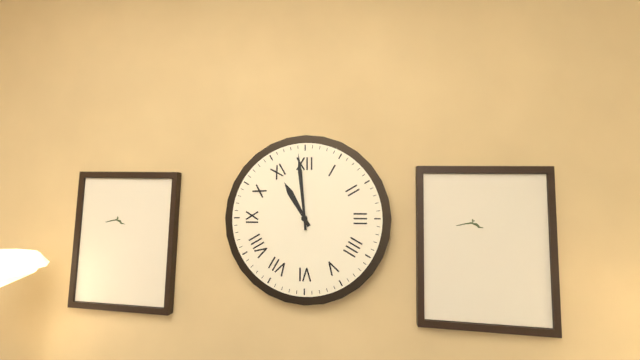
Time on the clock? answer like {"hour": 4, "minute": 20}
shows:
{"hour": 10, "minute": 59}
